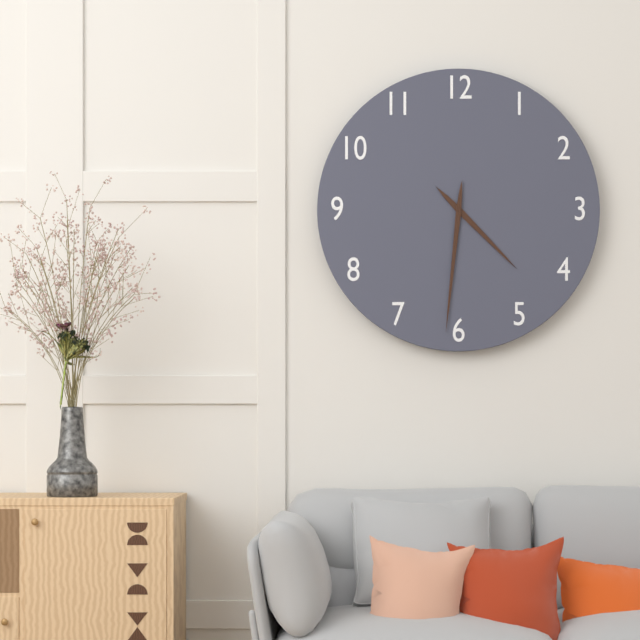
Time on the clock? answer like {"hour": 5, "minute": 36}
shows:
{"hour": 4, "minute": 31}
